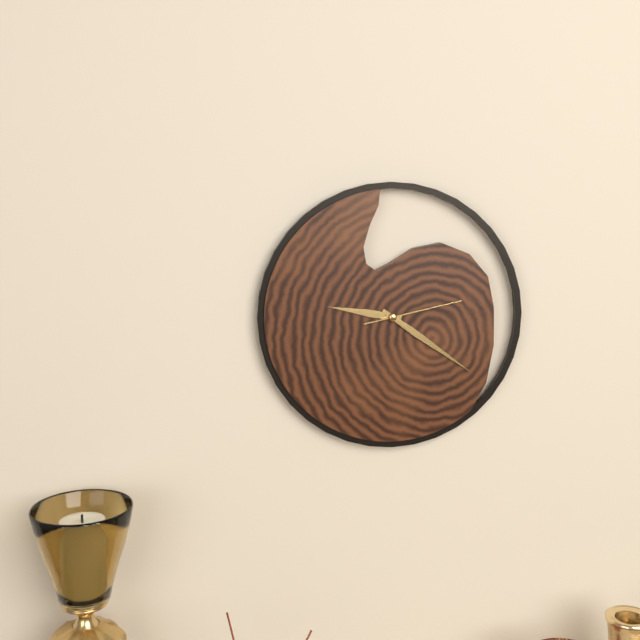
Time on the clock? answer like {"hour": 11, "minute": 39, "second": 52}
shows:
{"hour": 9, "minute": 21, "second": 13}
